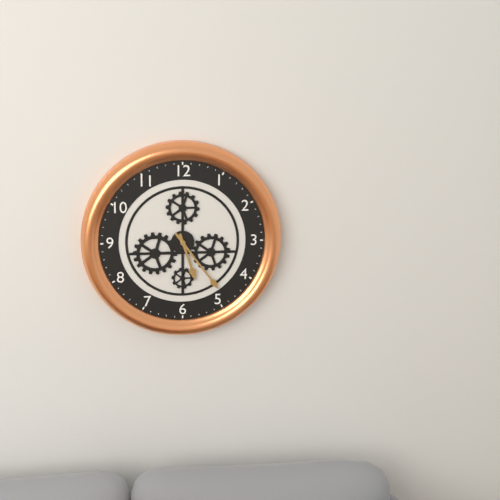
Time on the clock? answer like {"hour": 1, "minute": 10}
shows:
{"hour": 5, "minute": 24}
